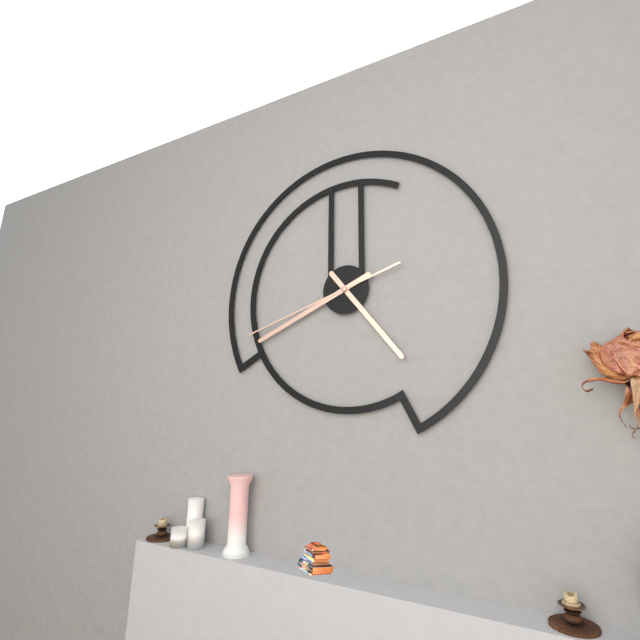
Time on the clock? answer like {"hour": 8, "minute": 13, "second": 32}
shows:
{"hour": 4, "minute": 41, "second": 42}
